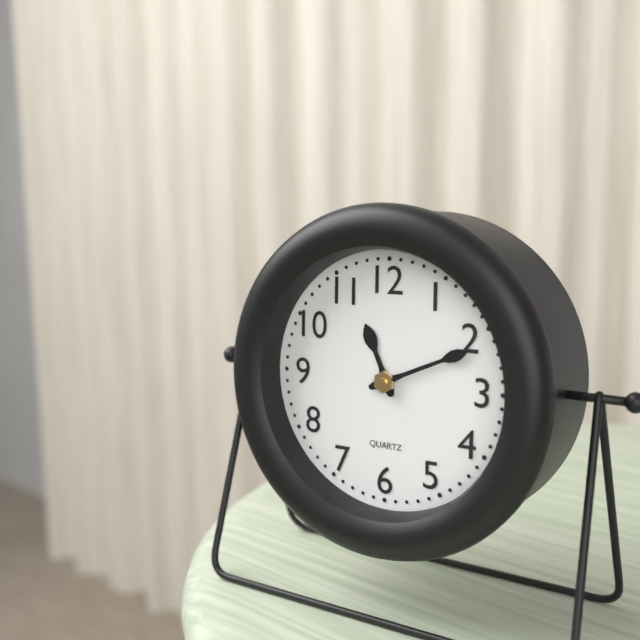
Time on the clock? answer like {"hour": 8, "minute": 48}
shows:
{"hour": 11, "minute": 11}
